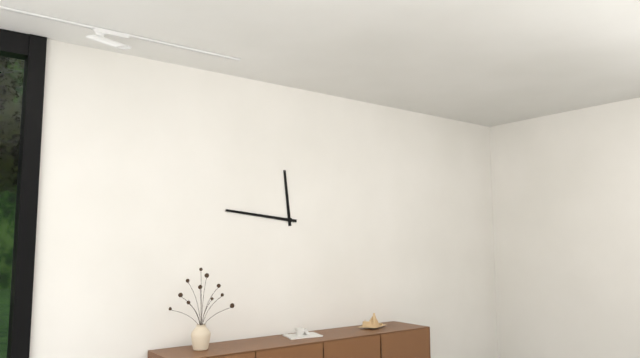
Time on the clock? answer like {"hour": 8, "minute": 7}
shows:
{"hour": 11, "minute": 46}
